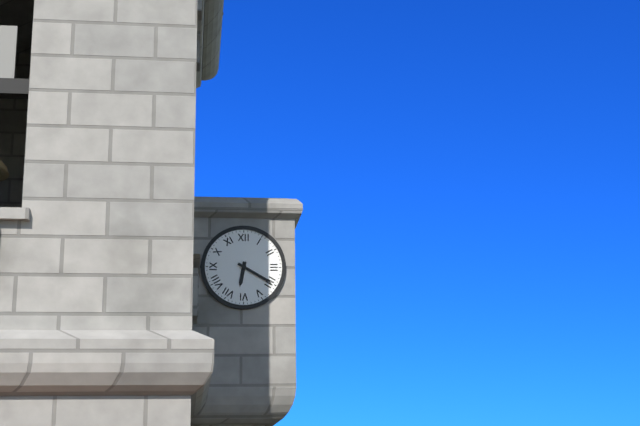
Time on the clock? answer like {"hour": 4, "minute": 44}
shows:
{"hour": 6, "minute": 20}
